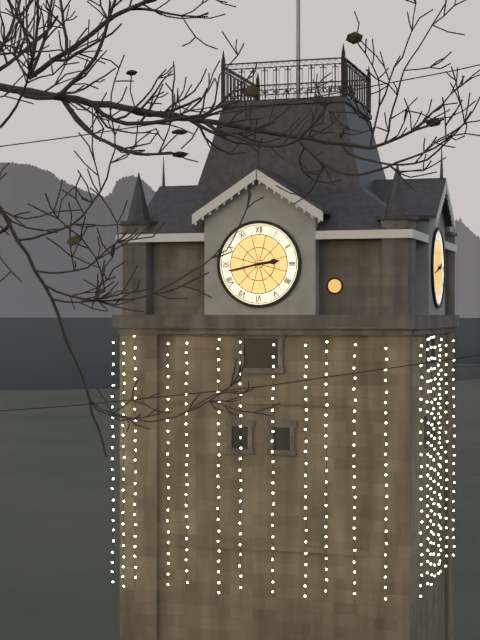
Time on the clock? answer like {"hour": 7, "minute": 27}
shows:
{"hour": 2, "minute": 43}
